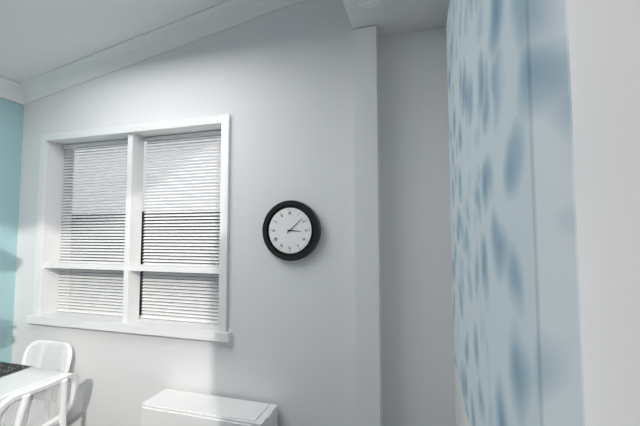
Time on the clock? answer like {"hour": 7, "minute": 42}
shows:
{"hour": 3, "minute": 8}
